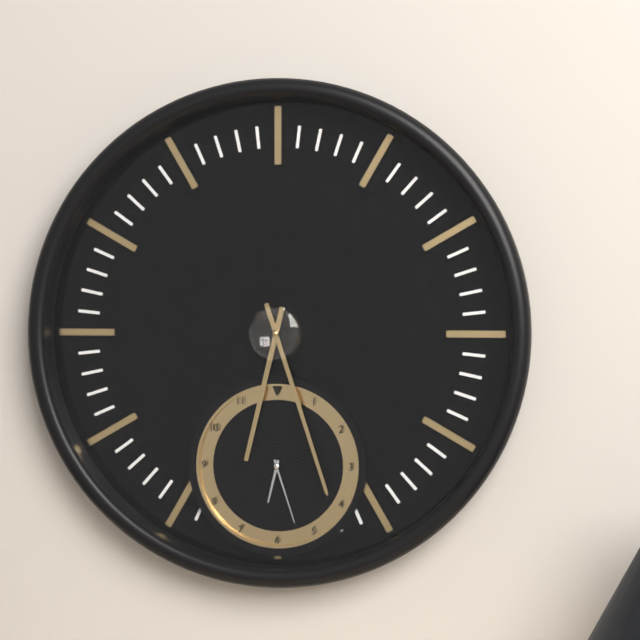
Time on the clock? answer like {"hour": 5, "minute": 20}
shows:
{"hour": 6, "minute": 27}
